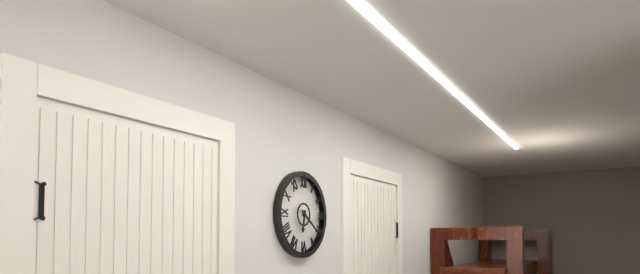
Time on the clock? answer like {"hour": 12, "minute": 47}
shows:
{"hour": 6, "minute": 21}
